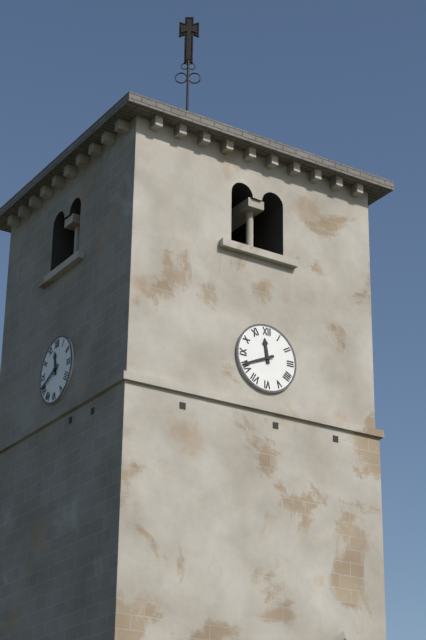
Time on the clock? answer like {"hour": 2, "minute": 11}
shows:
{"hour": 11, "minute": 41}
